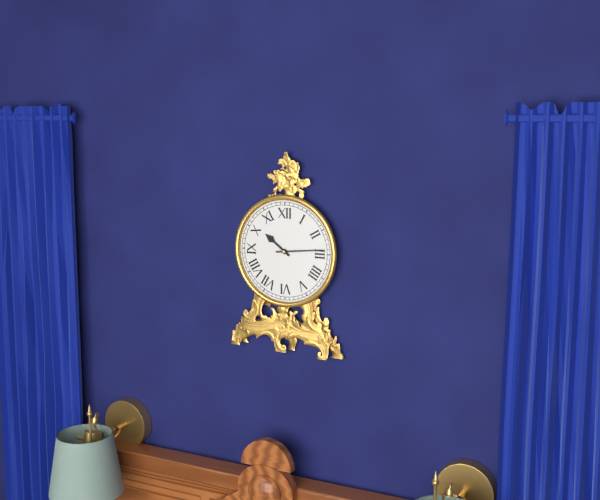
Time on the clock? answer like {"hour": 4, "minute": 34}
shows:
{"hour": 10, "minute": 14}
